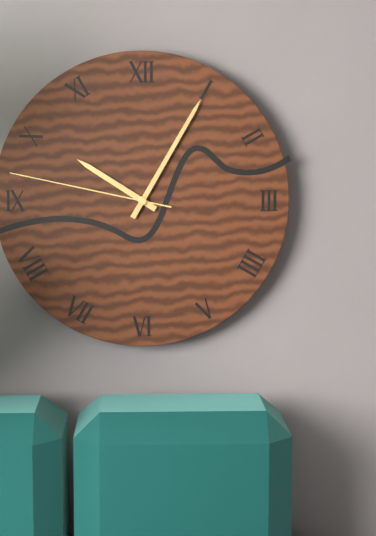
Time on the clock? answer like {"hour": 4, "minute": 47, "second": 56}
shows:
{"hour": 10, "minute": 5, "second": 47}
